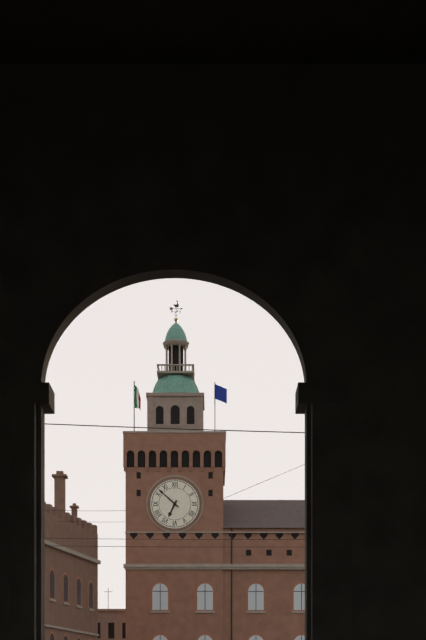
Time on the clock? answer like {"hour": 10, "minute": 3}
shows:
{"hour": 6, "minute": 52}
